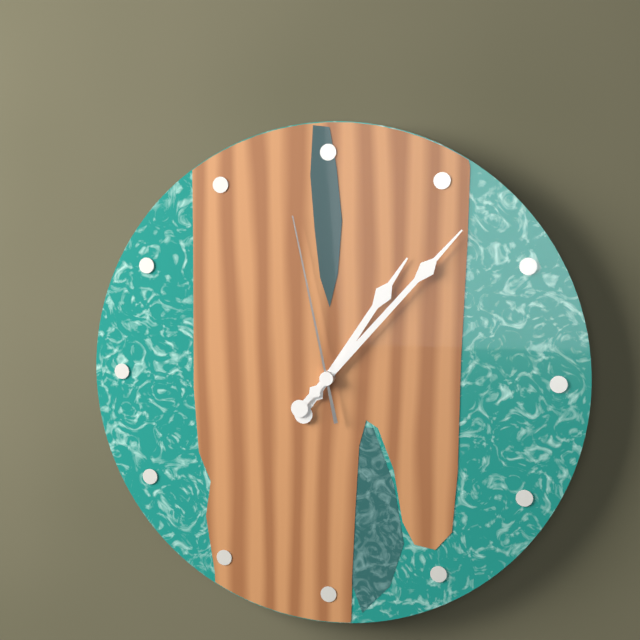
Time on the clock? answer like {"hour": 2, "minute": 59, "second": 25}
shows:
{"hour": 1, "minute": 7, "second": 58}
